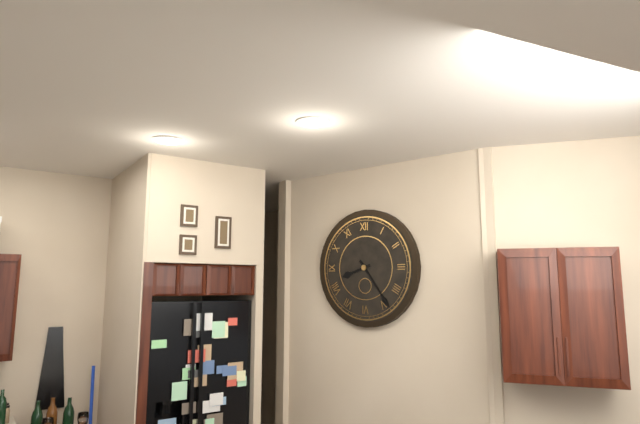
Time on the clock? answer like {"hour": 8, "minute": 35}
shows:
{"hour": 8, "minute": 24}
